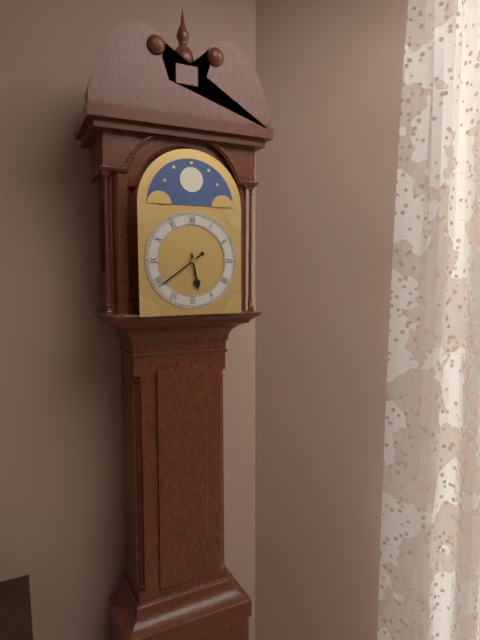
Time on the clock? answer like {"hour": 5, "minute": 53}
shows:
{"hour": 5, "minute": 39}
